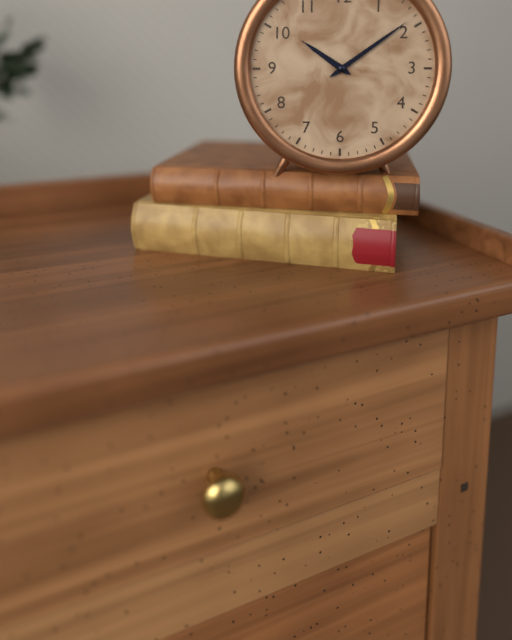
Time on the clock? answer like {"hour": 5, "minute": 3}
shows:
{"hour": 10, "minute": 9}
